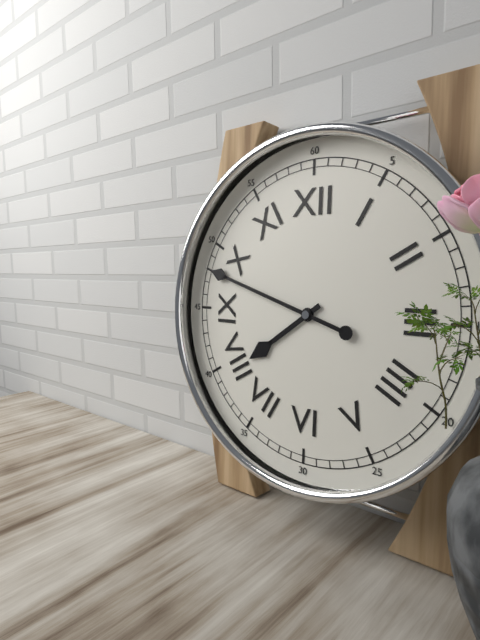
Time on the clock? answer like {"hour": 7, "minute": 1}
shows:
{"hour": 7, "minute": 48}
